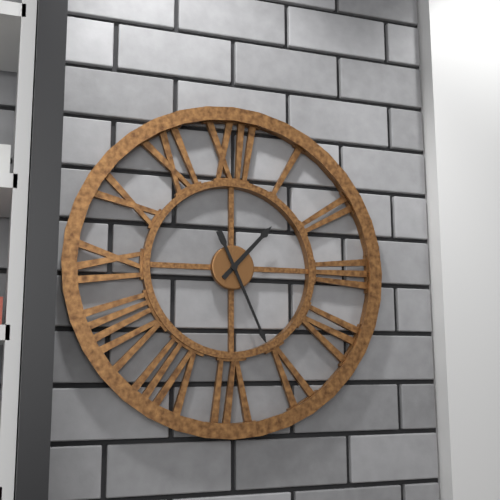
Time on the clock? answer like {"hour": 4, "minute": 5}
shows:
{"hour": 1, "minute": 26}
